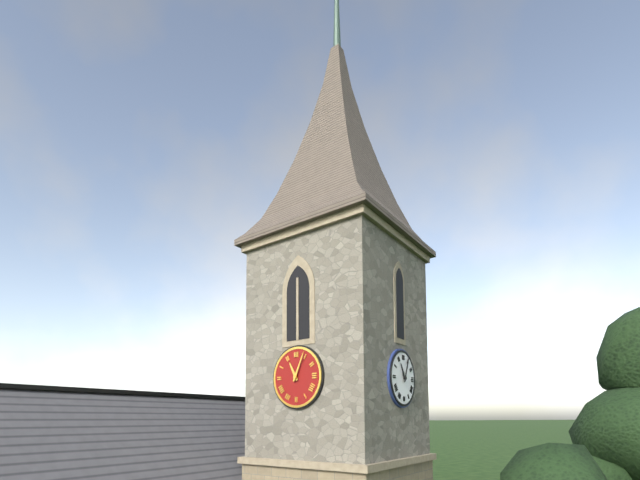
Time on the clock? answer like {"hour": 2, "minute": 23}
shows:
{"hour": 11, "minute": 4}
